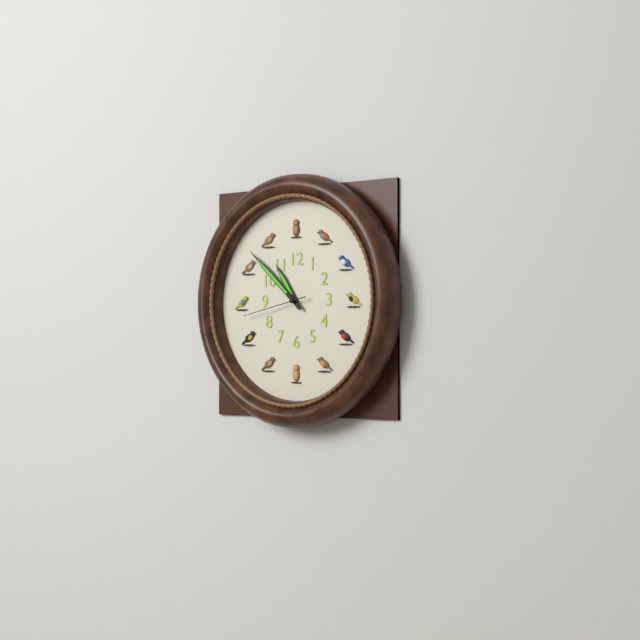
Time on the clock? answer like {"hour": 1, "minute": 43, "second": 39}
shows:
{"hour": 10, "minute": 52, "second": 43}
